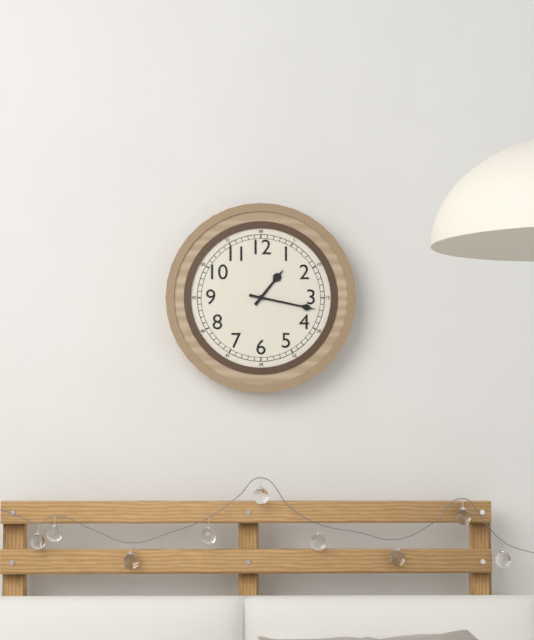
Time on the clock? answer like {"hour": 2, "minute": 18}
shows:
{"hour": 1, "minute": 17}
